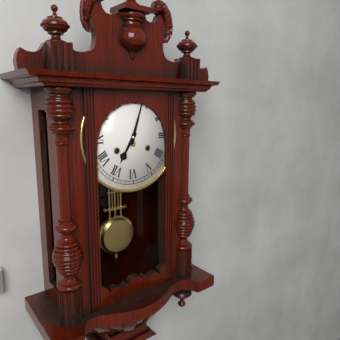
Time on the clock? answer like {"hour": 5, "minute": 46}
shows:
{"hour": 7, "minute": 3}
